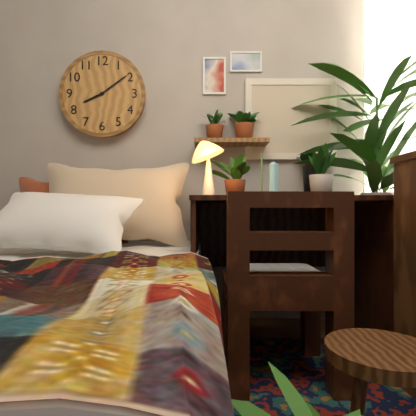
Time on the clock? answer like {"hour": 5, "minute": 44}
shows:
{"hour": 8, "minute": 9}
